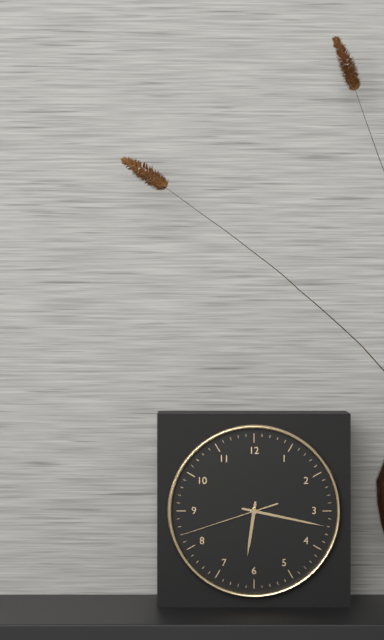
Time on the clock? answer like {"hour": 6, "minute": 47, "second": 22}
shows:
{"hour": 6, "minute": 17, "second": 42}
